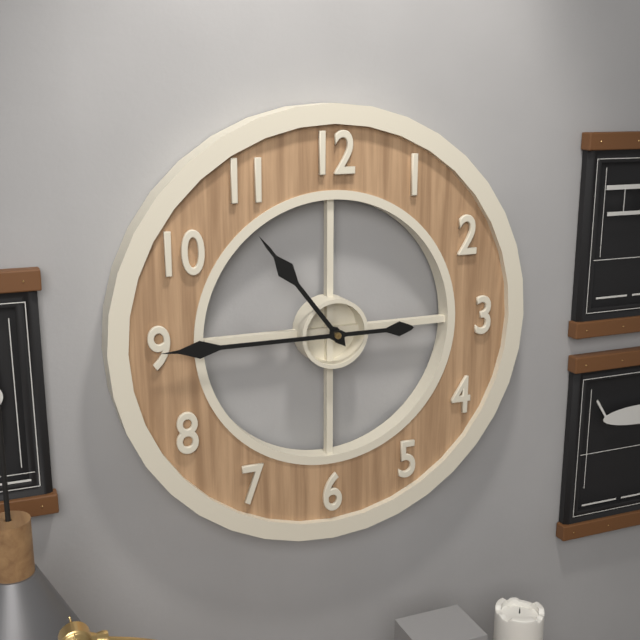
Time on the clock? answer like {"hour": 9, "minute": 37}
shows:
{"hour": 10, "minute": 45}
